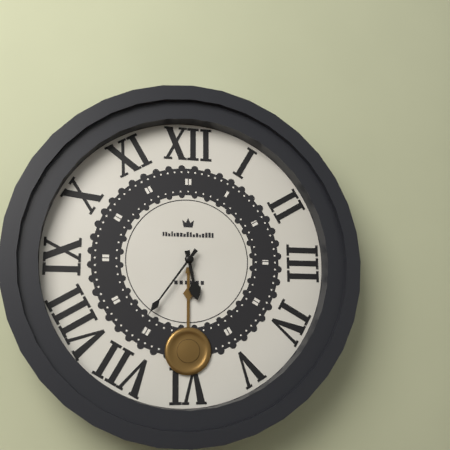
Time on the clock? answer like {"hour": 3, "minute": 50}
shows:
{"hour": 5, "minute": 36}
